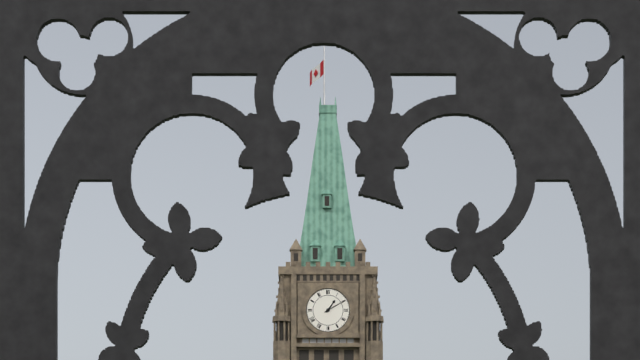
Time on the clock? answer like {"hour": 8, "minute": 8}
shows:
{"hour": 1, "minute": 10}
